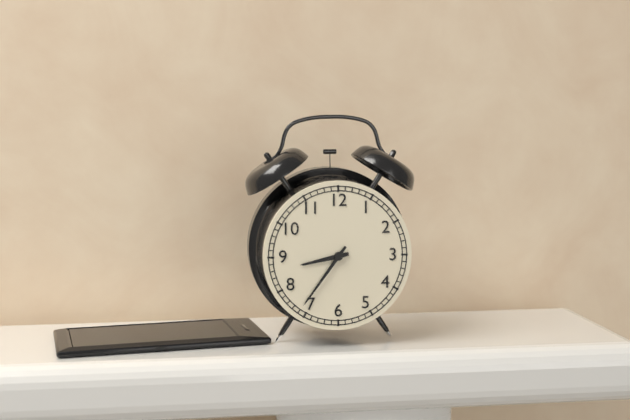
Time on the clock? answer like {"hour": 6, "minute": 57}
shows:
{"hour": 8, "minute": 36}
